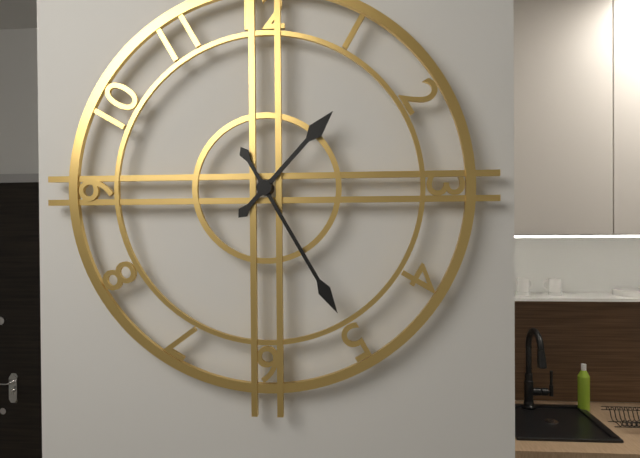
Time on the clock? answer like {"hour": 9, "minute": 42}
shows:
{"hour": 1, "minute": 25}
